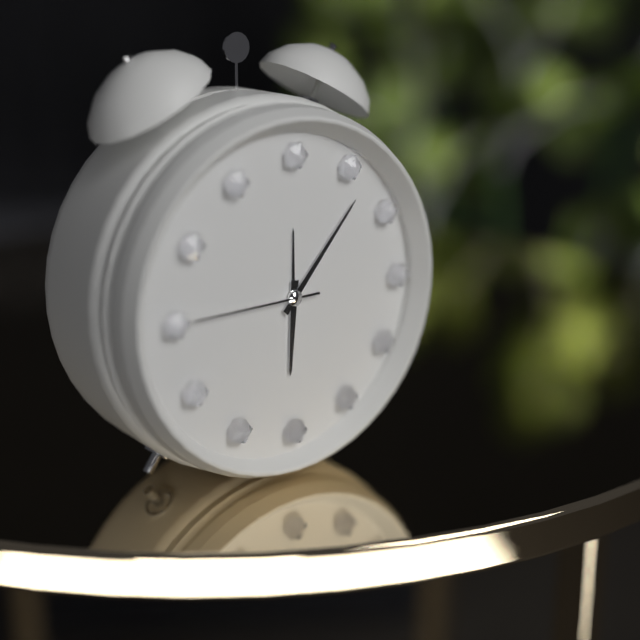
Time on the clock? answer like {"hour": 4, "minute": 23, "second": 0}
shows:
{"hour": 6, "minute": 7, "second": 45}
